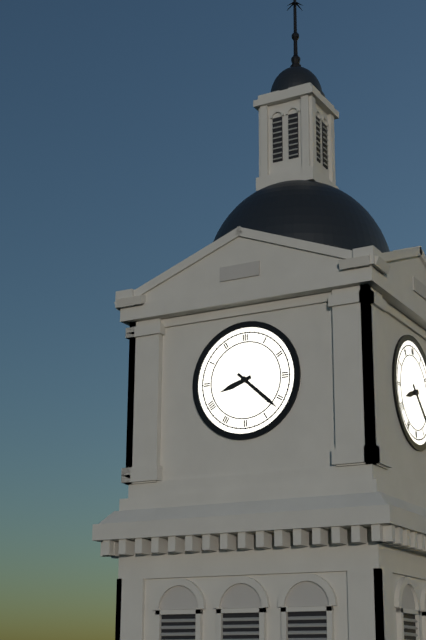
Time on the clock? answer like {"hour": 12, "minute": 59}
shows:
{"hour": 8, "minute": 22}
